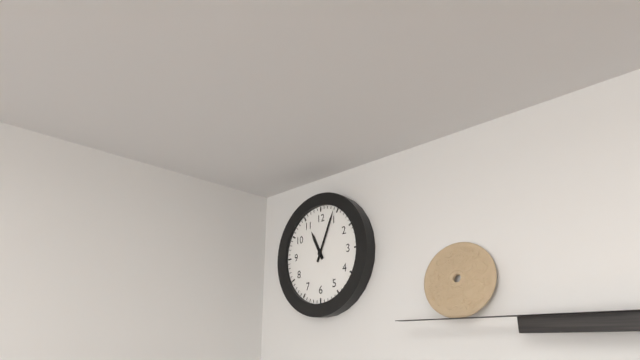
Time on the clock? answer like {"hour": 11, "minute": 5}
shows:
{"hour": 11, "minute": 4}
